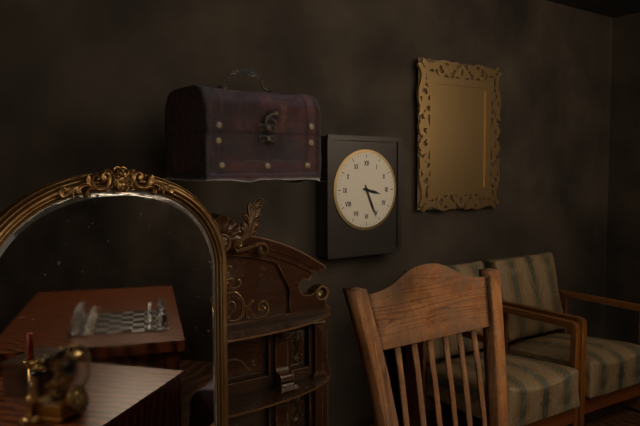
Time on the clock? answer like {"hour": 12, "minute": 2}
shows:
{"hour": 3, "minute": 26}
